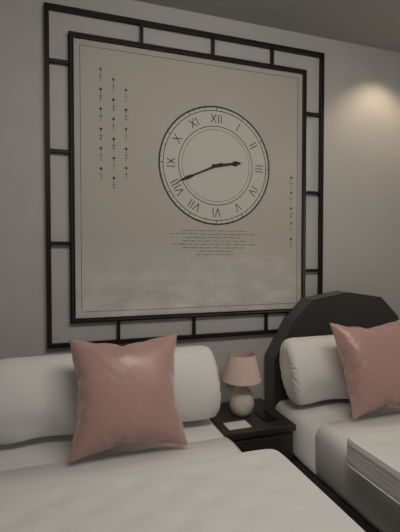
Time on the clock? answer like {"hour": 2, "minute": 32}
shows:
{"hour": 2, "minute": 41}
